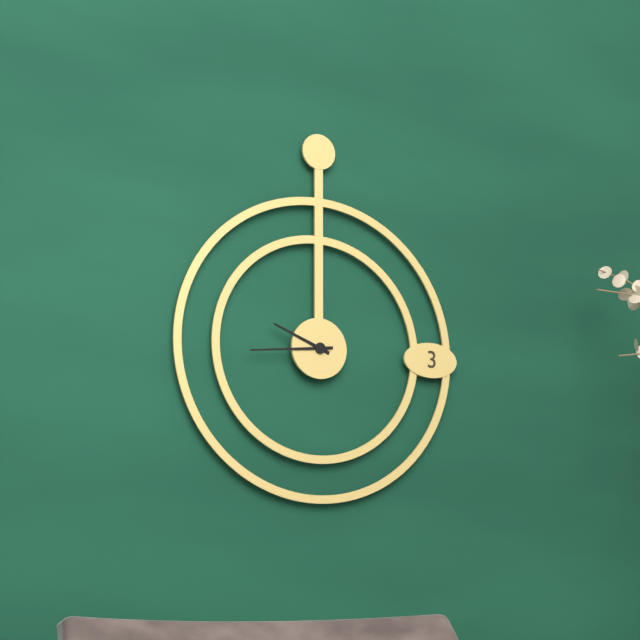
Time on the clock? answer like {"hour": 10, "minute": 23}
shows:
{"hour": 9, "minute": 44}
